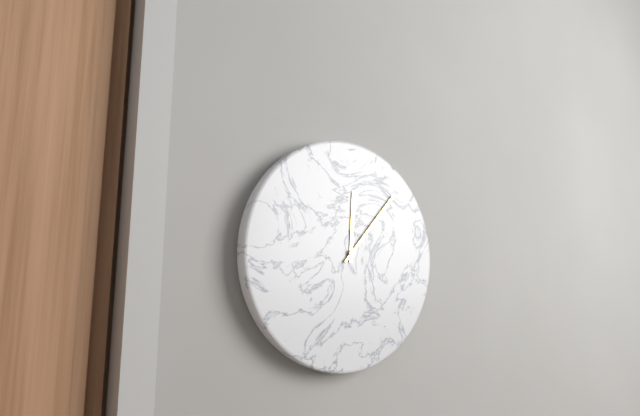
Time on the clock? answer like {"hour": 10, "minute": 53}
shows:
{"hour": 12, "minute": 7}
